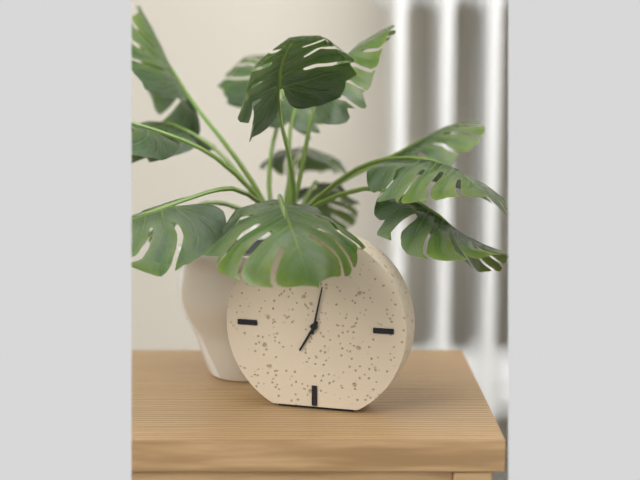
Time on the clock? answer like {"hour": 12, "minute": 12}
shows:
{"hour": 7, "minute": 2}
